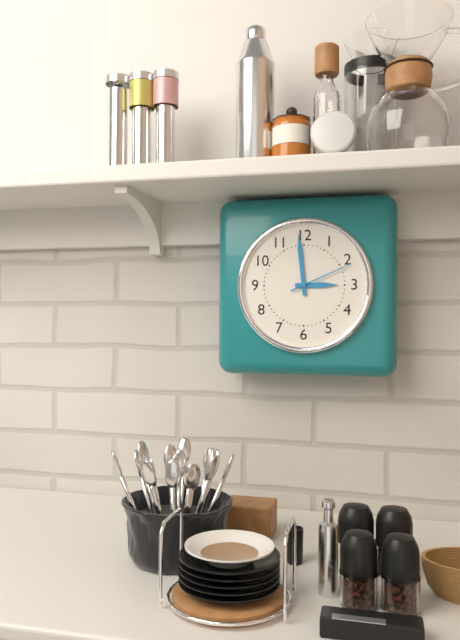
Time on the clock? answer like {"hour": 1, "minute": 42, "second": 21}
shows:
{"hour": 2, "minute": 59, "second": 11}
